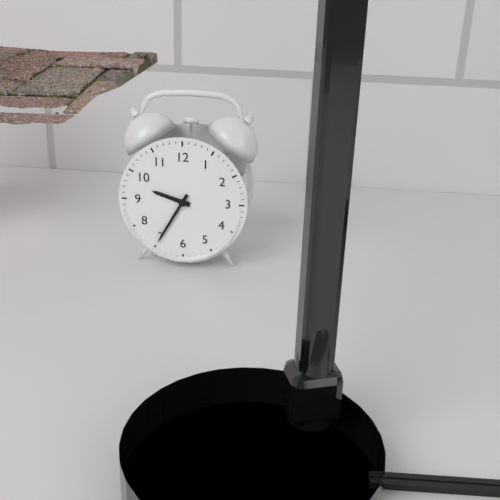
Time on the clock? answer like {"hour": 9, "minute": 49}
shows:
{"hour": 9, "minute": 35}
